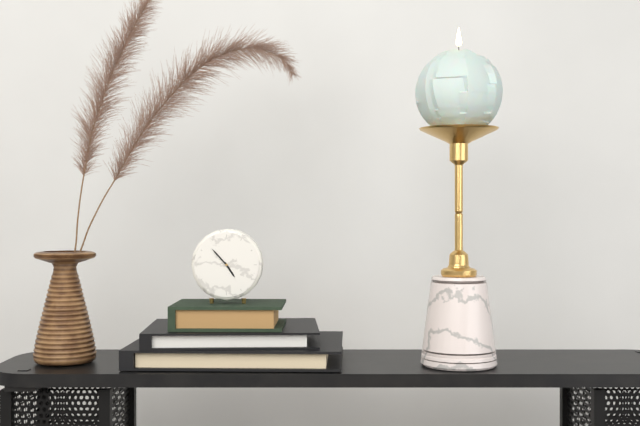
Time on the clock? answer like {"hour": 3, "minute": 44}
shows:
{"hour": 4, "minute": 53}
